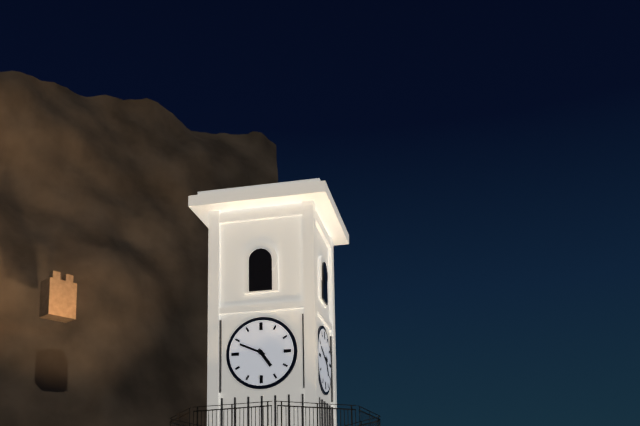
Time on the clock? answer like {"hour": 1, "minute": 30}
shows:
{"hour": 4, "minute": 49}
